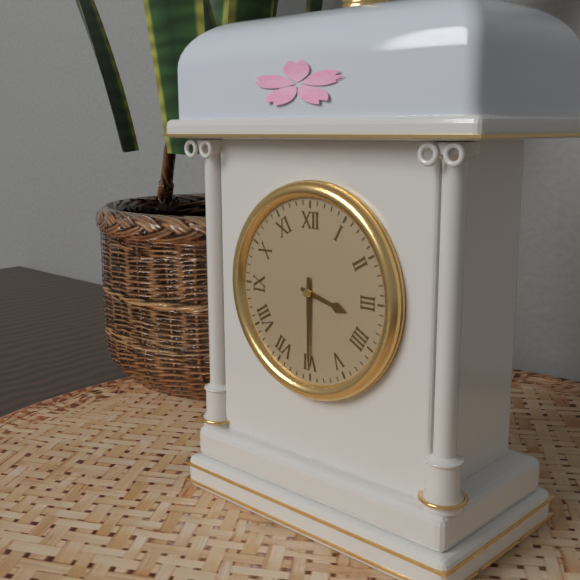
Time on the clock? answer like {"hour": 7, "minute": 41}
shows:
{"hour": 3, "minute": 30}
